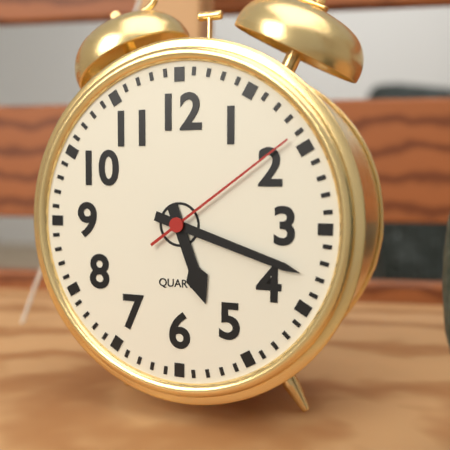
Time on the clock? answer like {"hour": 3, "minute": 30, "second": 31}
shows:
{"hour": 5, "minute": 18, "second": 9}
